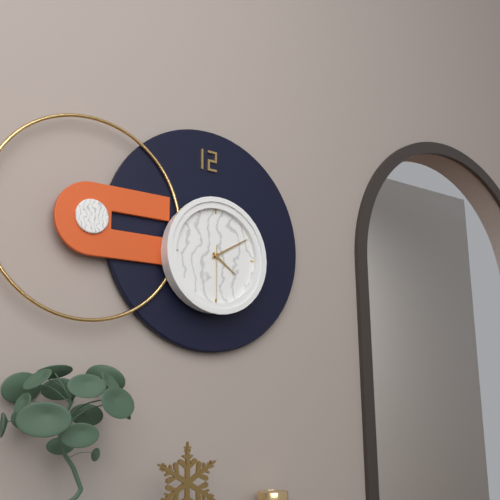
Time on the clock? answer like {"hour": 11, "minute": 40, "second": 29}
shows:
{"hour": 4, "minute": 10, "second": 30}
